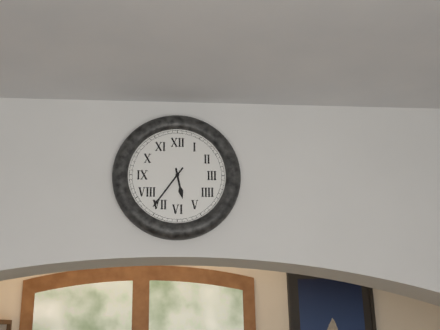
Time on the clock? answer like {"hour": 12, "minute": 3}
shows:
{"hour": 5, "minute": 36}
